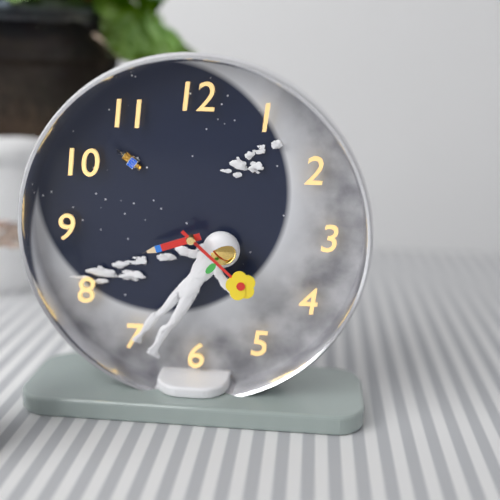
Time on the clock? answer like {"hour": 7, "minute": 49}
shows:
{"hour": 8, "minute": 22}
